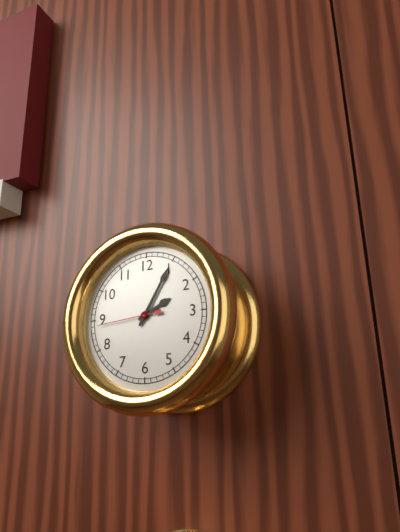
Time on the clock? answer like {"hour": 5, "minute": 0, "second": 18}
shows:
{"hour": 2, "minute": 5, "second": 44}
